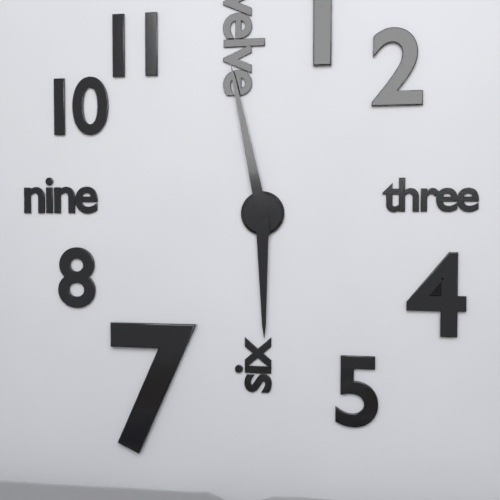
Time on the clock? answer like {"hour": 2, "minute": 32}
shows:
{"hour": 5, "minute": 58}
